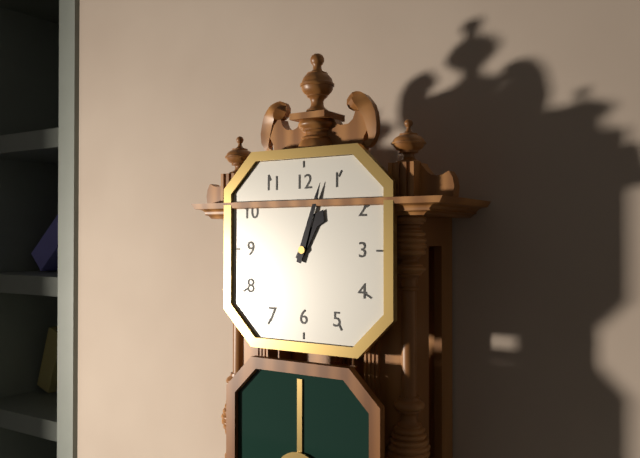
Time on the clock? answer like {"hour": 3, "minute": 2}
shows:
{"hour": 1, "minute": 3}
